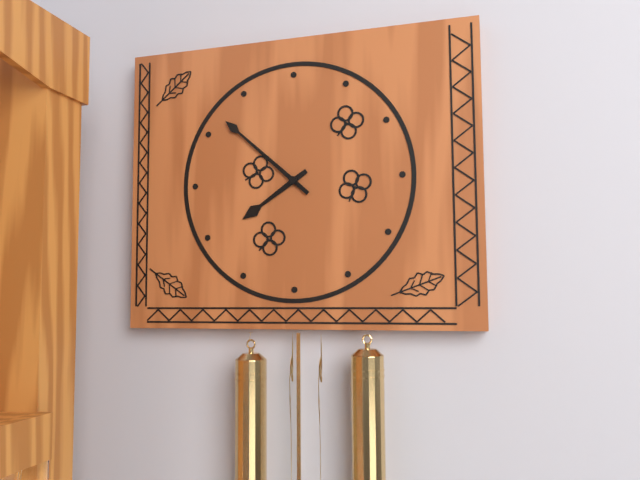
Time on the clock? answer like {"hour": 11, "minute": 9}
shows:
{"hour": 7, "minute": 52}
